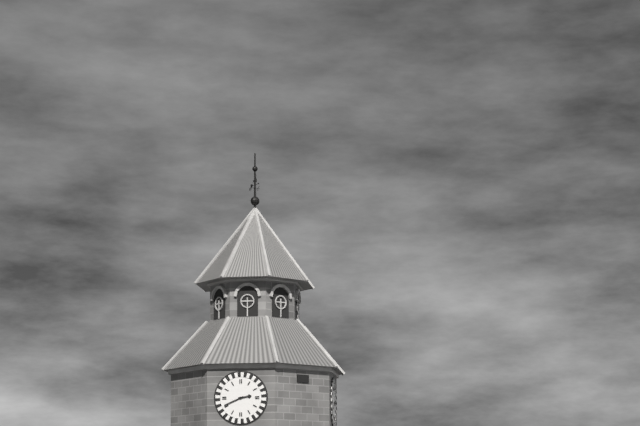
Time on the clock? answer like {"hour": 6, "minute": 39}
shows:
{"hour": 2, "minute": 41}
